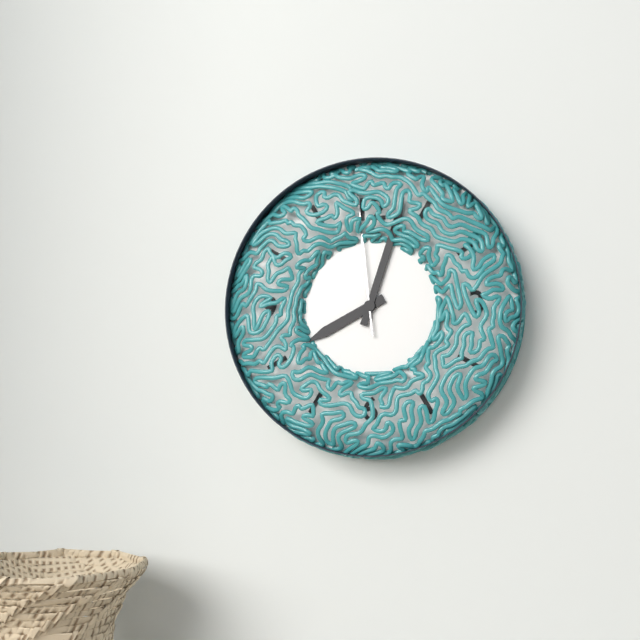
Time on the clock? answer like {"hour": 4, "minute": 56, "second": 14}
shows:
{"hour": 8, "minute": 3, "second": 59}
